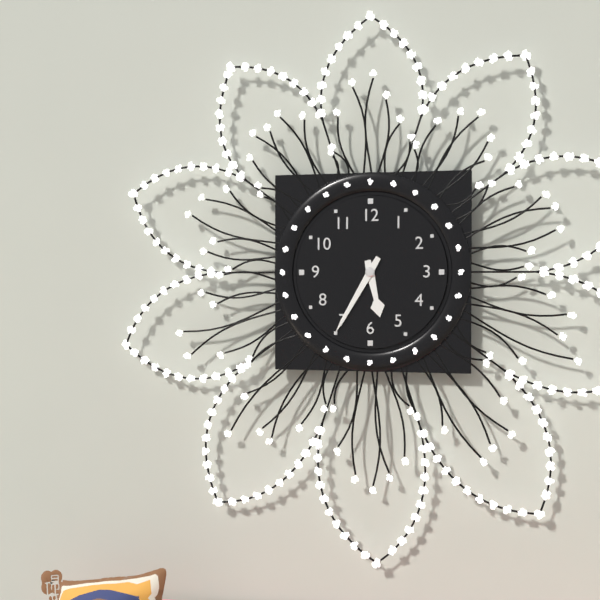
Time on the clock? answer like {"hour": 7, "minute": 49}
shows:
{"hour": 5, "minute": 35}
